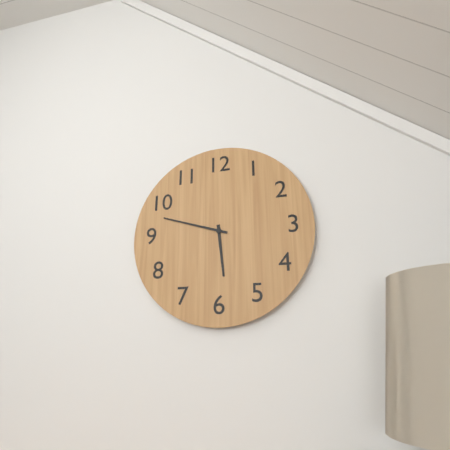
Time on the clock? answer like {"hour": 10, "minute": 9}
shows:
{"hour": 5, "minute": 48}
